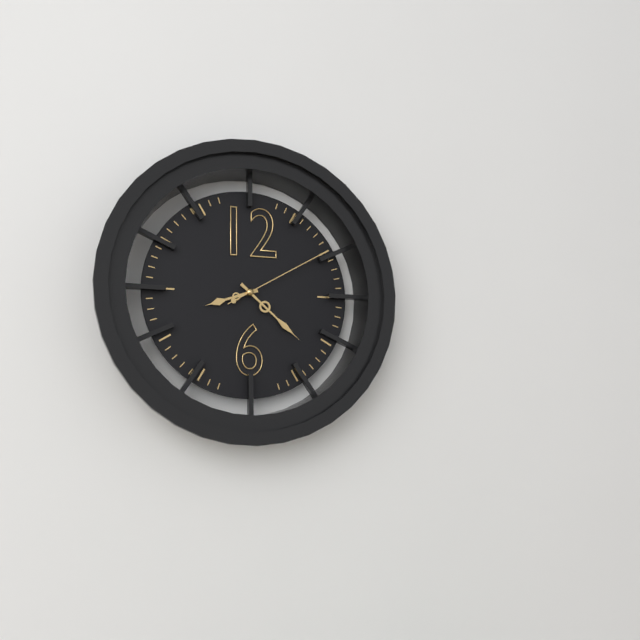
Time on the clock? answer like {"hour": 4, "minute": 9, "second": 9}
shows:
{"hour": 8, "minute": 22, "second": 10}
